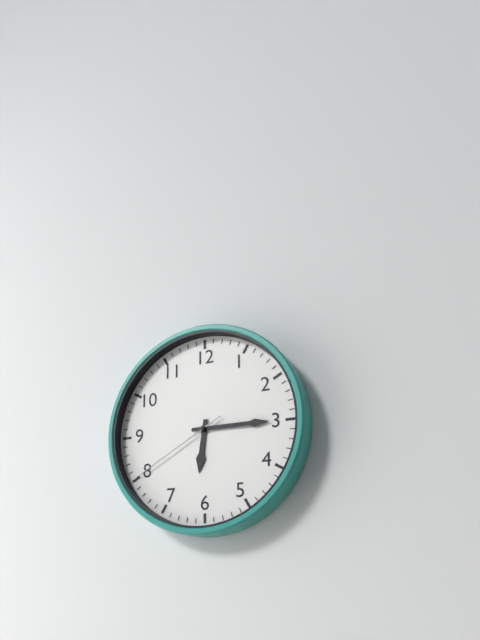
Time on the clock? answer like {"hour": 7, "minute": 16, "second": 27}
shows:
{"hour": 6, "minute": 15, "second": 40}
